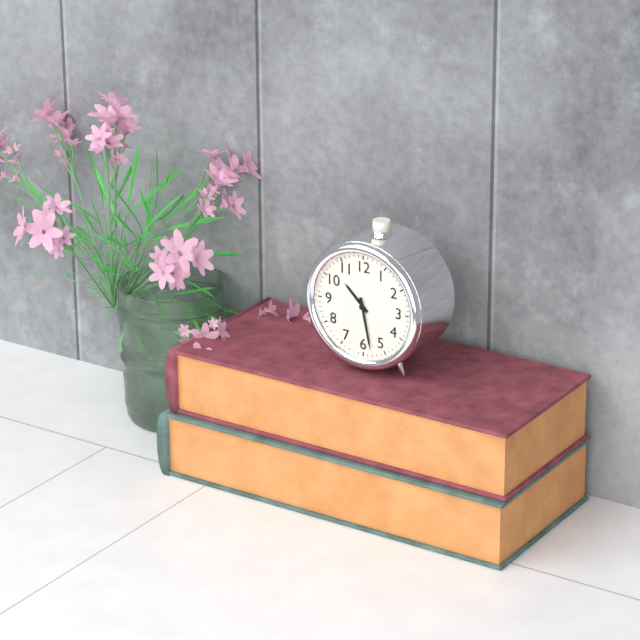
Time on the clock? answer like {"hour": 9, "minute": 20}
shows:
{"hour": 10, "minute": 28}
